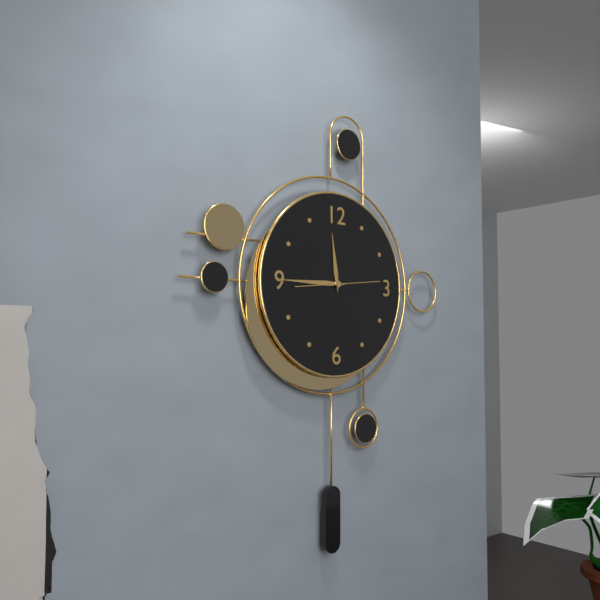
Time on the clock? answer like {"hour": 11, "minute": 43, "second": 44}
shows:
{"hour": 11, "minute": 45, "second": 14}
